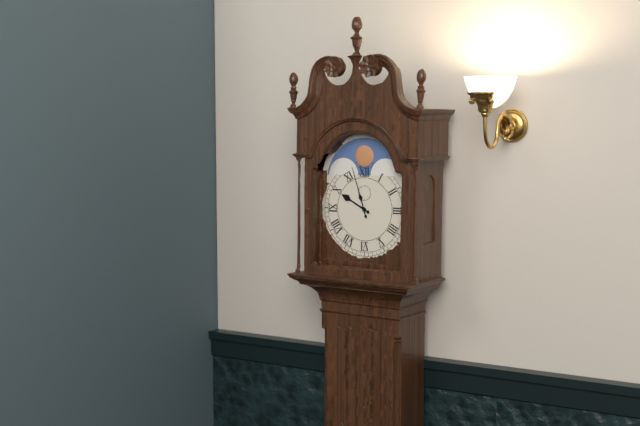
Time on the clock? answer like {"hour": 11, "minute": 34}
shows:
{"hour": 9, "minute": 57}
